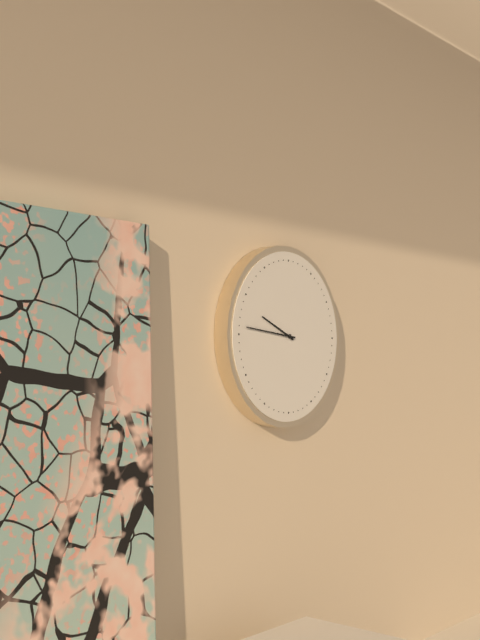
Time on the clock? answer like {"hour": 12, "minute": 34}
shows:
{"hour": 9, "minute": 46}
